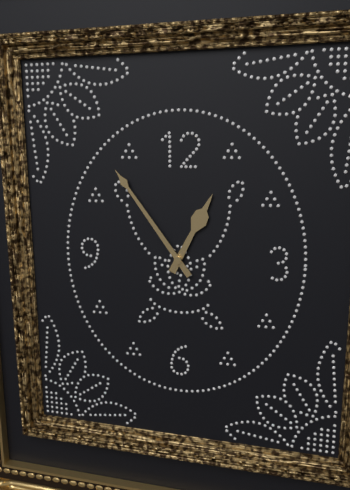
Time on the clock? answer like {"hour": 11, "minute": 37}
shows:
{"hour": 12, "minute": 54}
